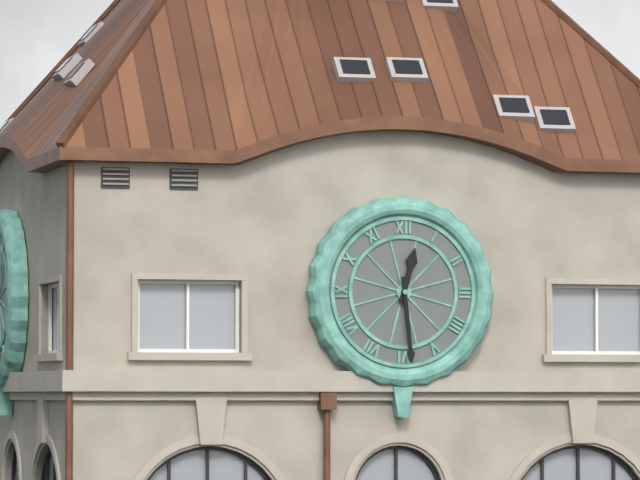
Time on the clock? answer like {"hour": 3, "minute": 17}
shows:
{"hour": 12, "minute": 29}
